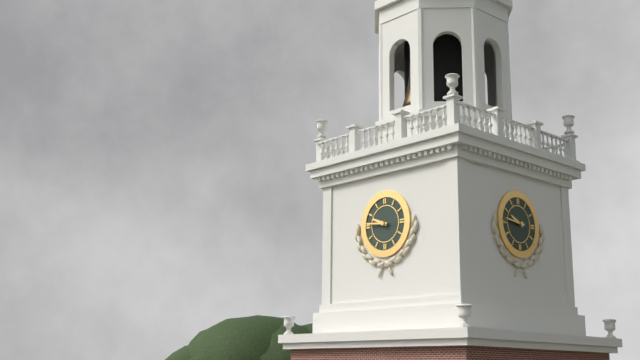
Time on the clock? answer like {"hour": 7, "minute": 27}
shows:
{"hour": 9, "minute": 46}
